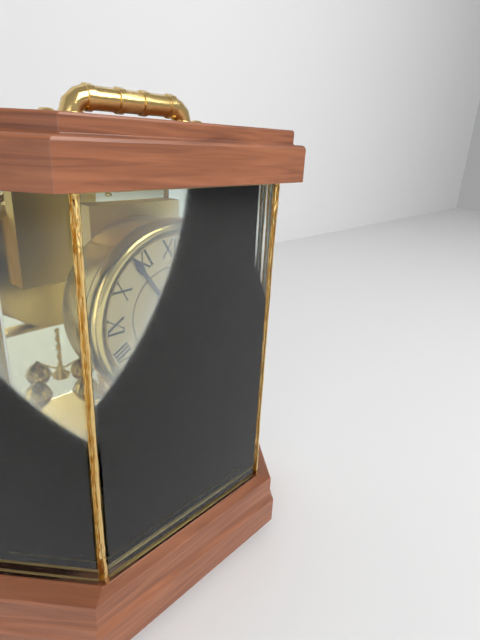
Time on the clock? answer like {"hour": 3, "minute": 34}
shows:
{"hour": 3, "minute": 54}
